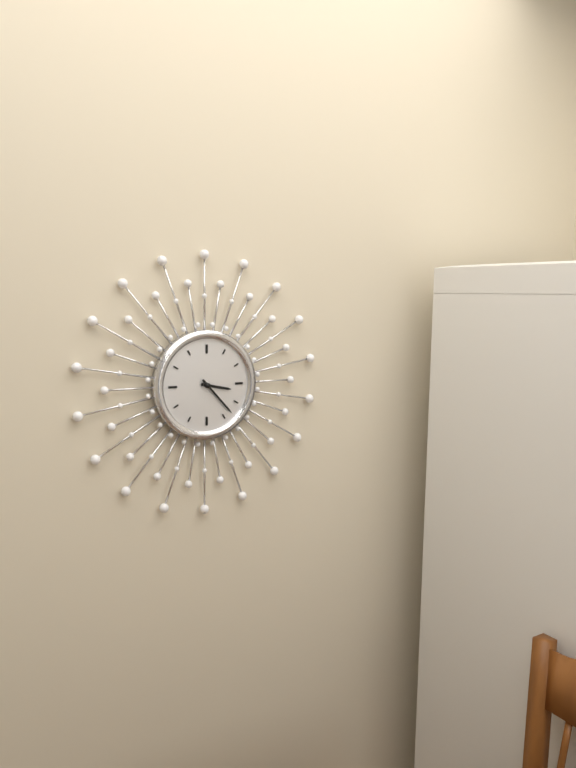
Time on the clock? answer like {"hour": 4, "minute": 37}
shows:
{"hour": 3, "minute": 23}
